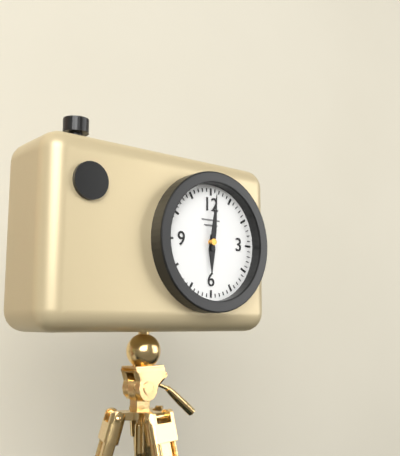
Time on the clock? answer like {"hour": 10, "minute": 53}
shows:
{"hour": 6, "minute": 1}
